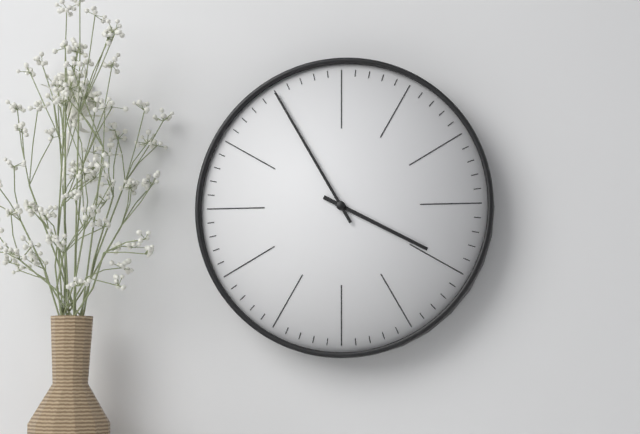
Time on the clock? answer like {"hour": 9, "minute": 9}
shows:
{"hour": 3, "minute": 55}
